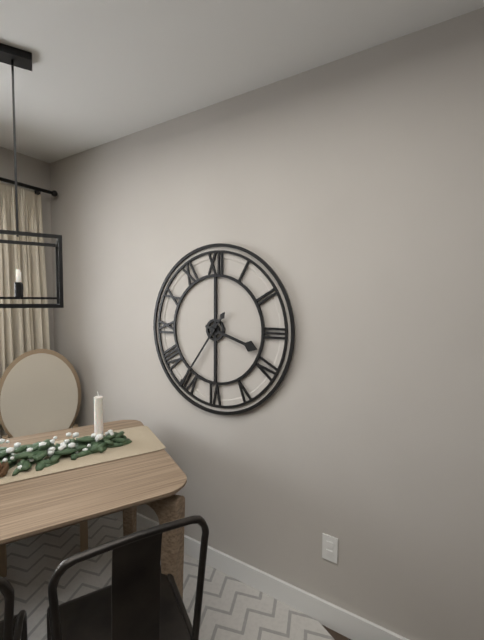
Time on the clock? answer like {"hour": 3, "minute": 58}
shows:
{"hour": 3, "minute": 36}
